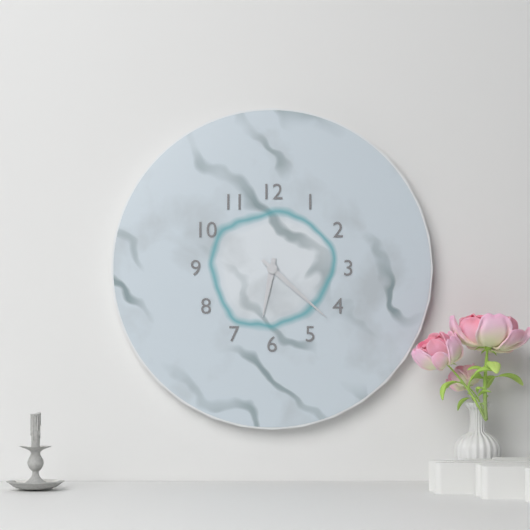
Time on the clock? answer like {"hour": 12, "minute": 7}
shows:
{"hour": 6, "minute": 22}
